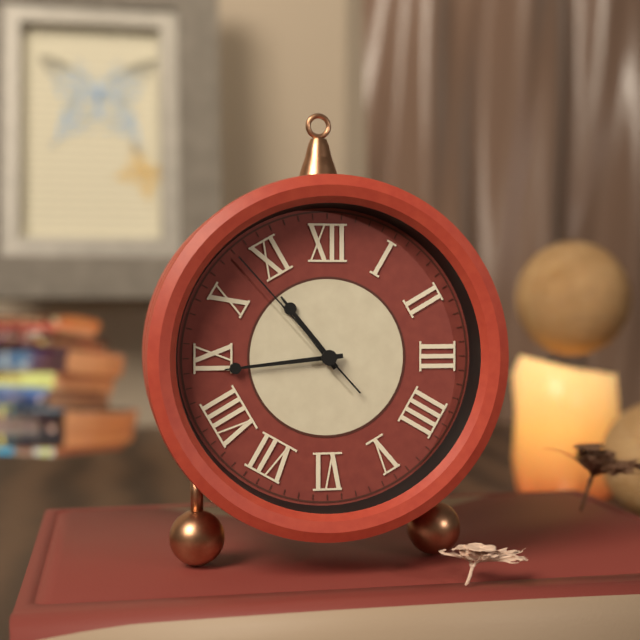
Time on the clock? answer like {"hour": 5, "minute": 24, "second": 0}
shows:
{"hour": 10, "minute": 44, "second": 53}
